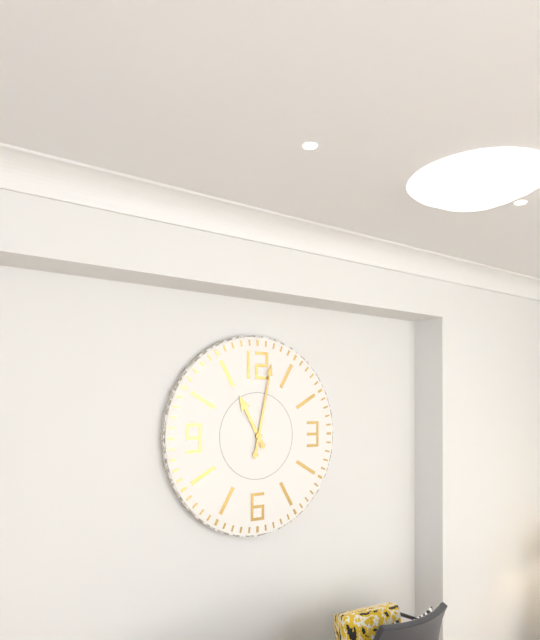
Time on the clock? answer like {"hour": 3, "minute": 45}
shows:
{"hour": 11, "minute": 2}
